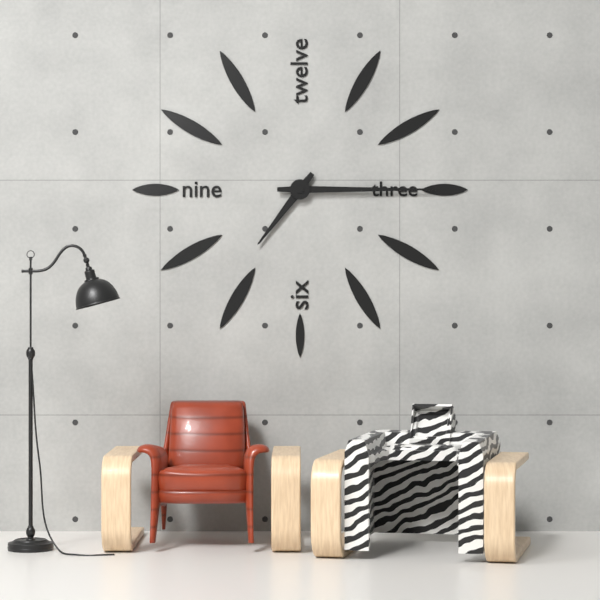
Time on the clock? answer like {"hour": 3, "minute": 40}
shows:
{"hour": 7, "minute": 15}
